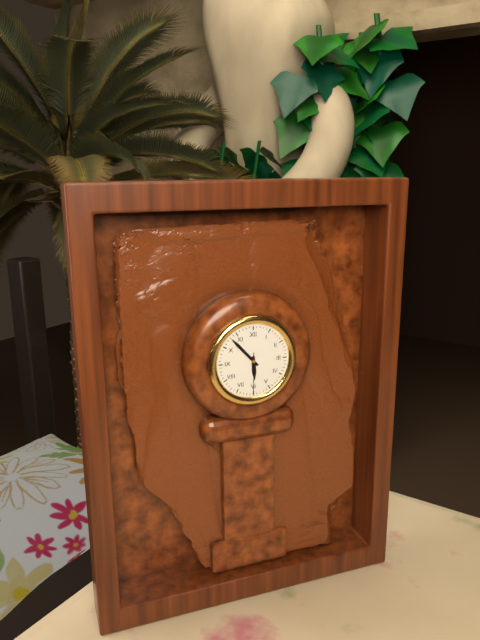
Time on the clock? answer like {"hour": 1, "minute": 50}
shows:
{"hour": 5, "minute": 53}
